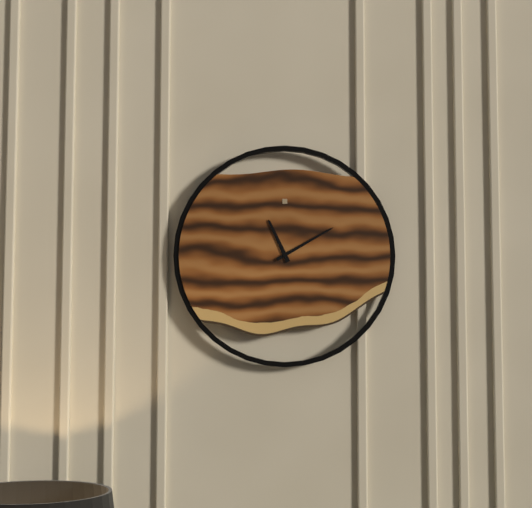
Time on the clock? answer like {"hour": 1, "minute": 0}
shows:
{"hour": 11, "minute": 10}
